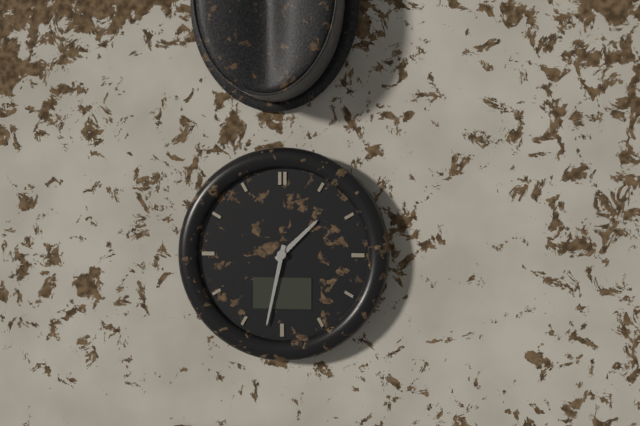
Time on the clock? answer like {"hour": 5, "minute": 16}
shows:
{"hour": 1, "minute": 32}
